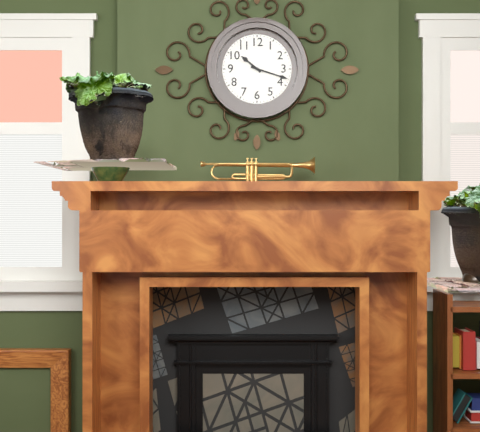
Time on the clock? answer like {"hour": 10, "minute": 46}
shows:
{"hour": 10, "minute": 18}
